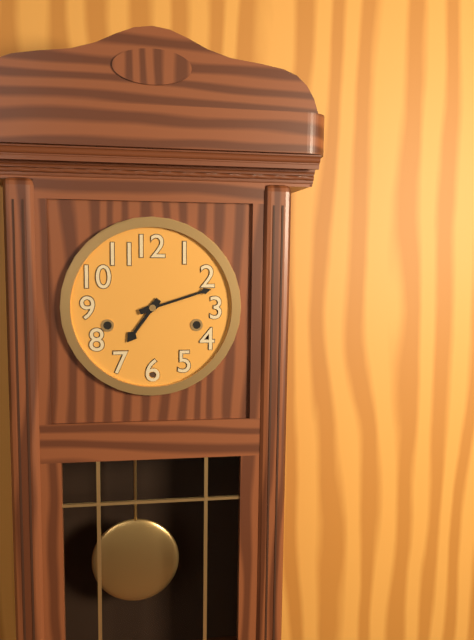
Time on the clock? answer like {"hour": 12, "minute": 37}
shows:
{"hour": 7, "minute": 12}
